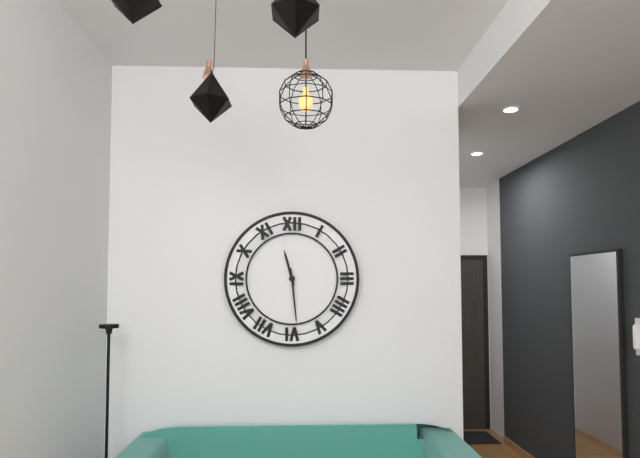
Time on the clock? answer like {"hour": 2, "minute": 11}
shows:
{"hour": 11, "minute": 29}
